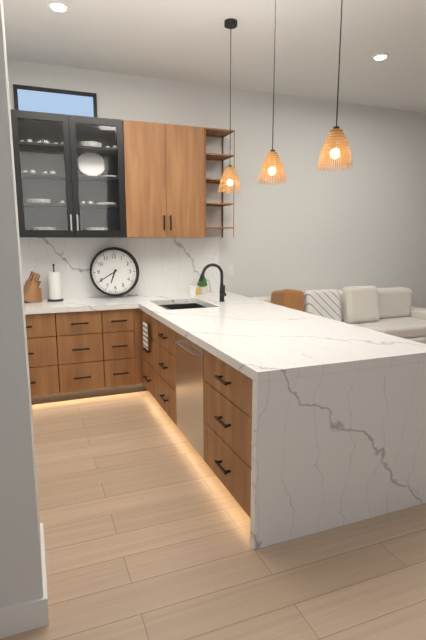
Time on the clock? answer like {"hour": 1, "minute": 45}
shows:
{"hour": 6, "minute": 40}
